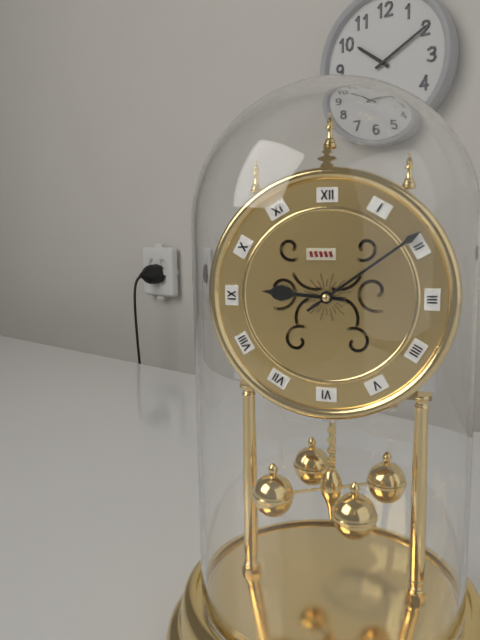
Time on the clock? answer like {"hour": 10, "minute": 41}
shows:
{"hour": 9, "minute": 9}
